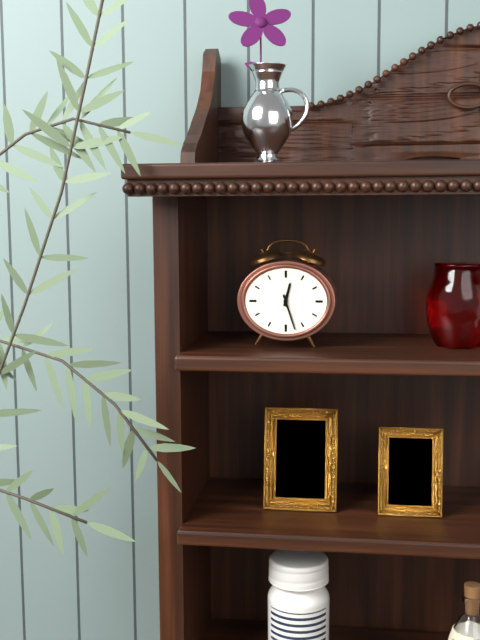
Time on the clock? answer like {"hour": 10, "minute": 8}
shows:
{"hour": 12, "minute": 27}
